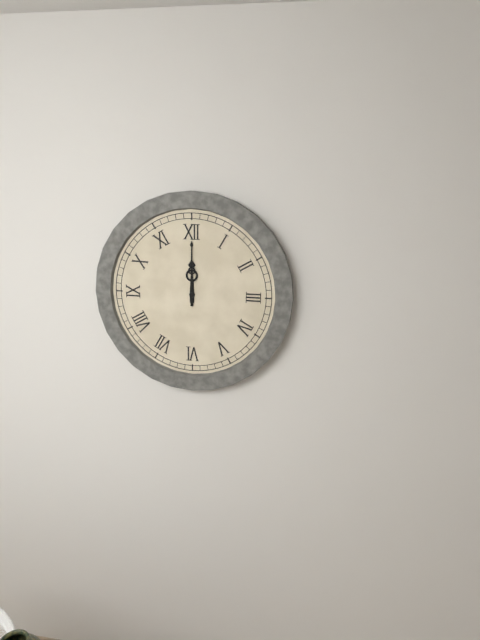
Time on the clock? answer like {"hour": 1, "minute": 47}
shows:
{"hour": 12, "minute": 0}
